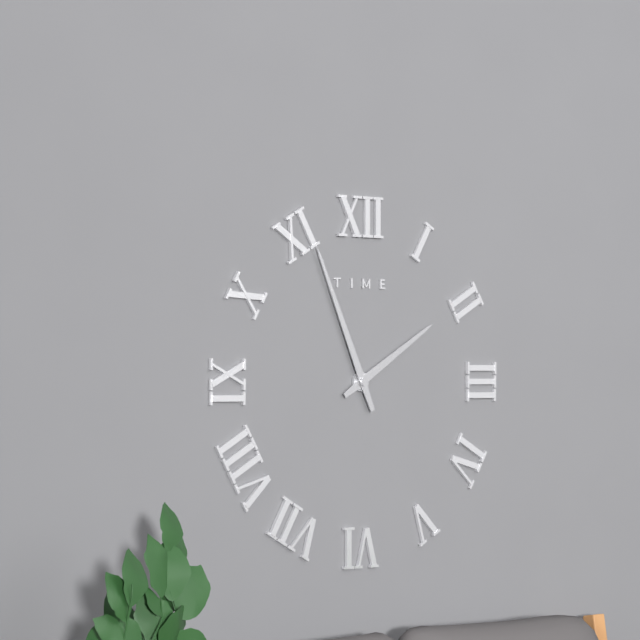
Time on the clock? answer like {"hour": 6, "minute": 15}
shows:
{"hour": 1, "minute": 56}
